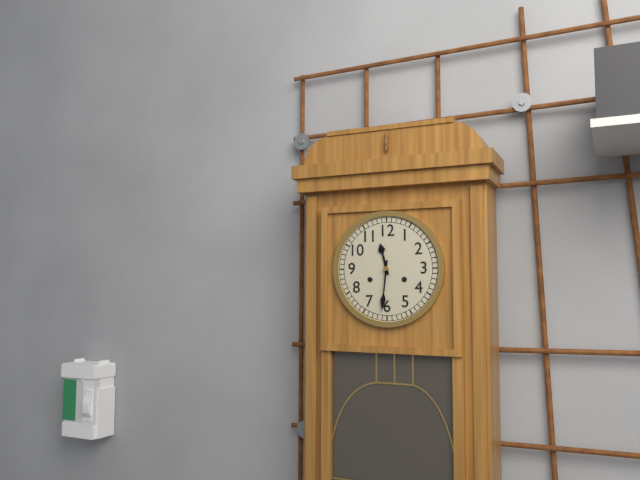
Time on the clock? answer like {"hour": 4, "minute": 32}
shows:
{"hour": 11, "minute": 31}
